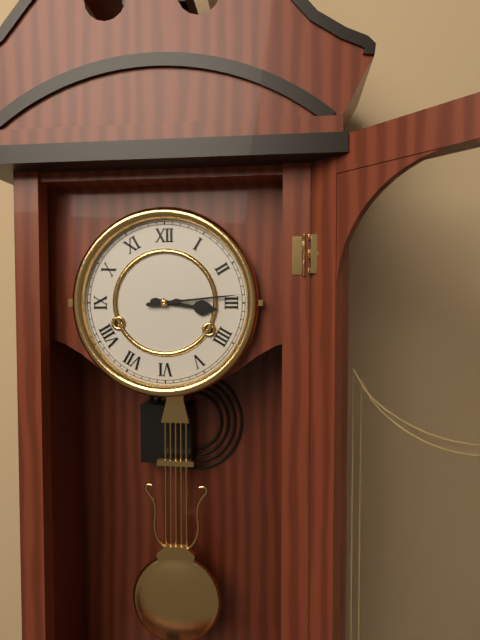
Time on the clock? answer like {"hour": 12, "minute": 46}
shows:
{"hour": 3, "minute": 14}
